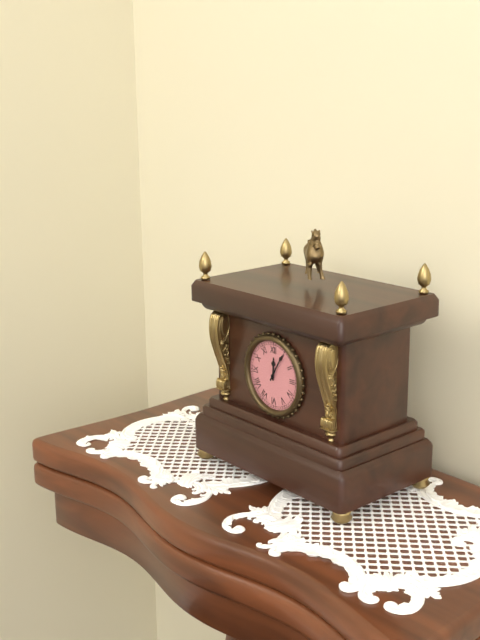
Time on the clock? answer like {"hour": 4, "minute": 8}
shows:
{"hour": 12, "minute": 5}
